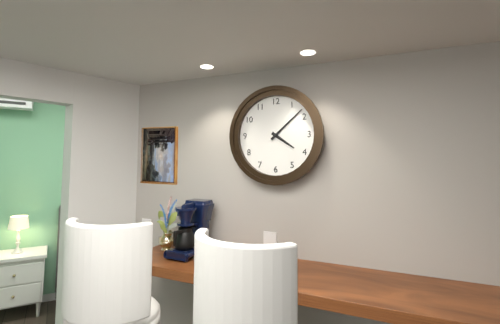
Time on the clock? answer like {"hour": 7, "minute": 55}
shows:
{"hour": 4, "minute": 8}
